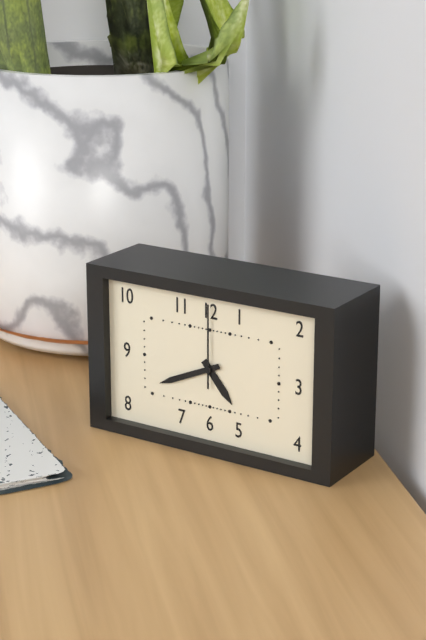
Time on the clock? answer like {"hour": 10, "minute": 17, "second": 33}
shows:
{"hour": 4, "minute": 41, "second": 0}
